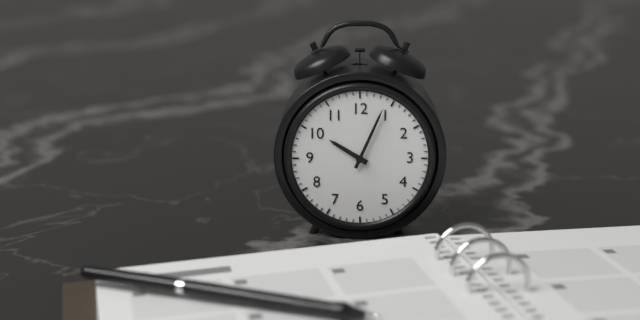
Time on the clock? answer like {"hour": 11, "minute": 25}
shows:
{"hour": 10, "minute": 4}
